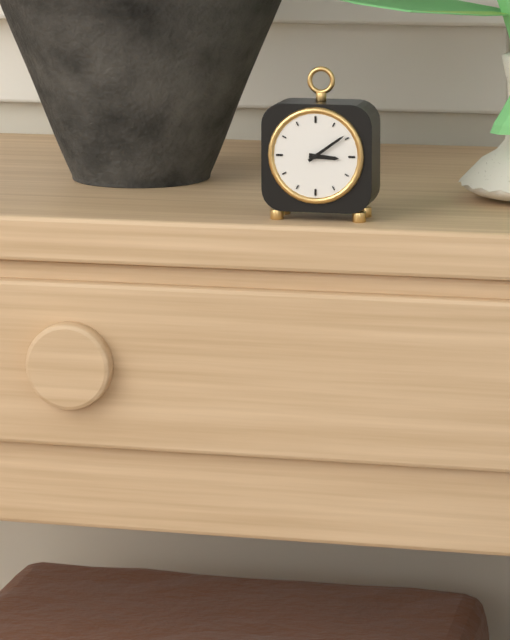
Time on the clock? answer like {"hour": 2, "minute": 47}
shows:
{"hour": 3, "minute": 9}
